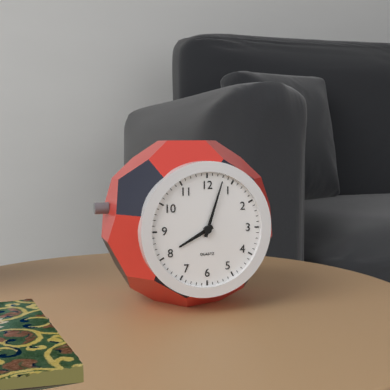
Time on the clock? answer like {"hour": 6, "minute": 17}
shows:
{"hour": 8, "minute": 3}
